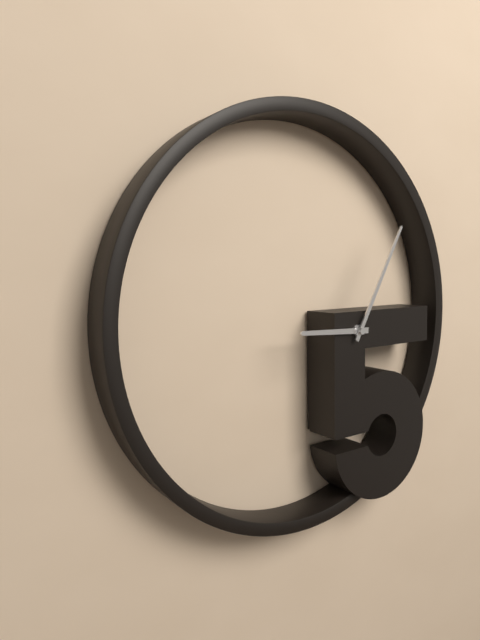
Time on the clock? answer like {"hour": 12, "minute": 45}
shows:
{"hour": 9, "minute": 5}
